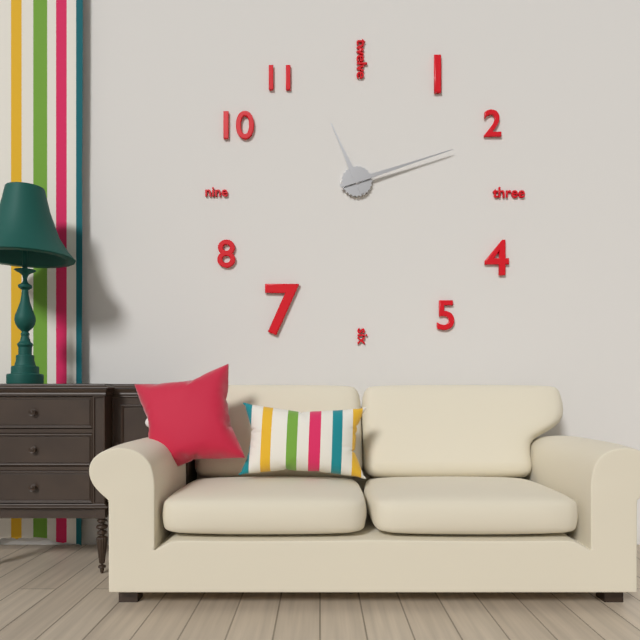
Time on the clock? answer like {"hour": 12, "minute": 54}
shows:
{"hour": 11, "minute": 12}
